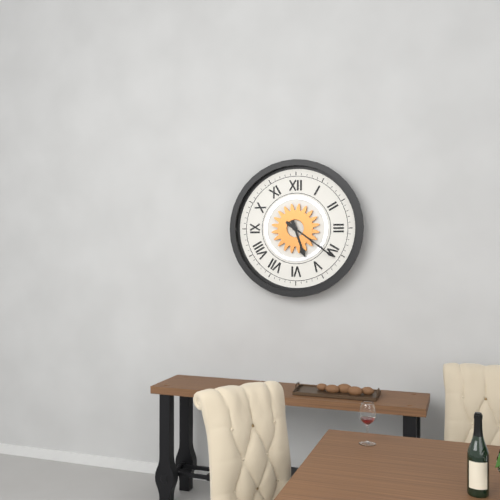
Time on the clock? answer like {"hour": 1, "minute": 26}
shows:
{"hour": 5, "minute": 21}
